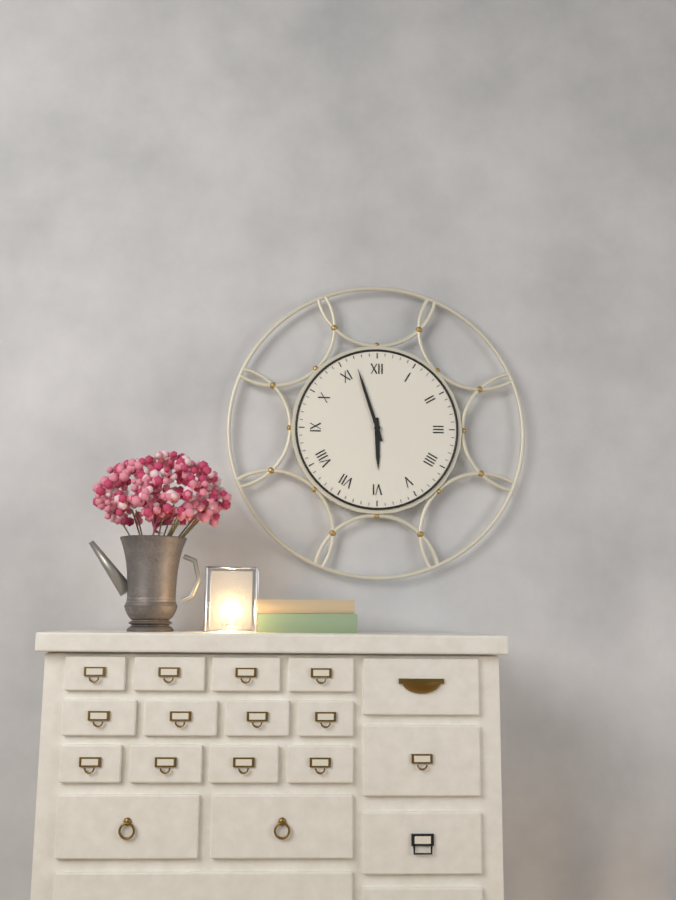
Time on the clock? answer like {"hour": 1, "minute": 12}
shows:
{"hour": 5, "minute": 57}
